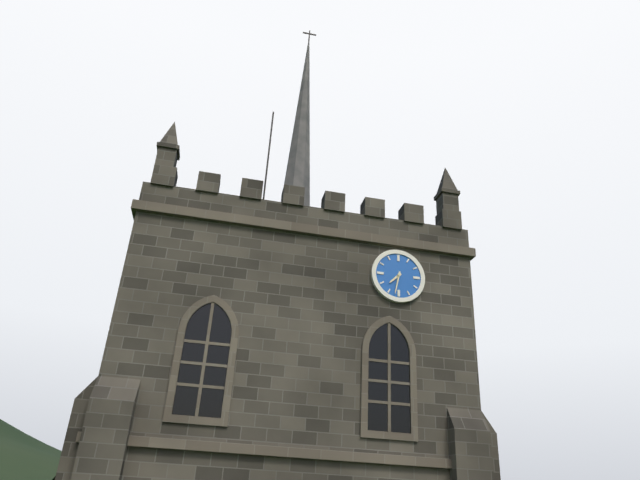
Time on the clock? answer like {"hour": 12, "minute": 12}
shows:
{"hour": 7, "minute": 32}
